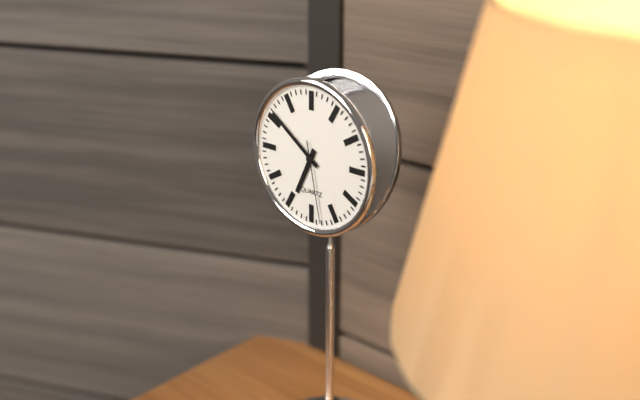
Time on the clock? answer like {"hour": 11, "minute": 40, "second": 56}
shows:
{"hour": 6, "minute": 51, "second": 28}
